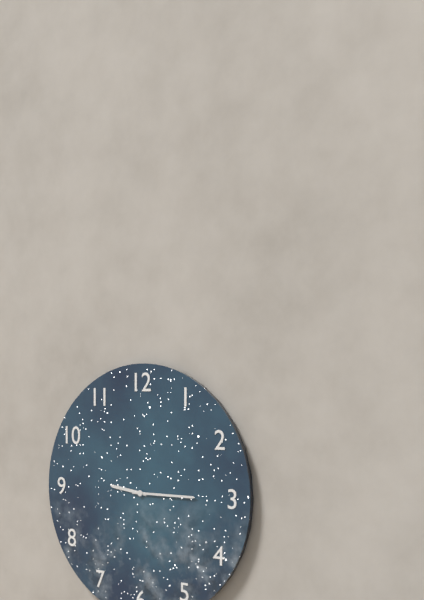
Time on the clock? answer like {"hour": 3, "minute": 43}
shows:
{"hour": 9, "minute": 15}
